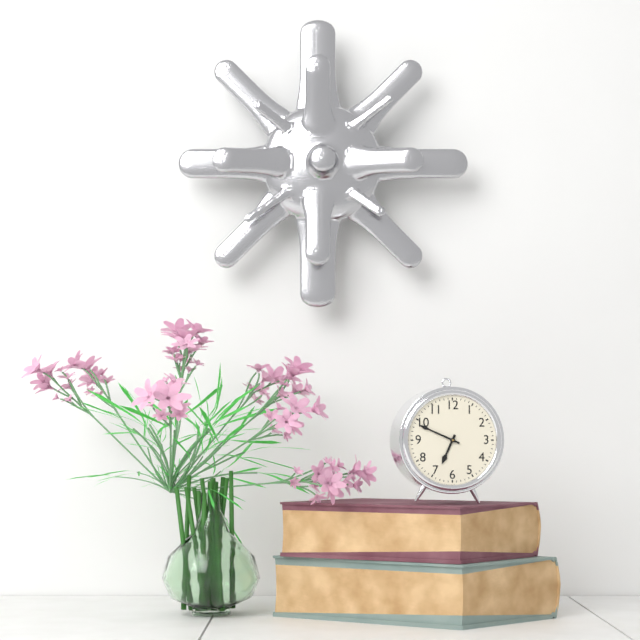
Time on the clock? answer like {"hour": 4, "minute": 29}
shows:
{"hour": 6, "minute": 49}
